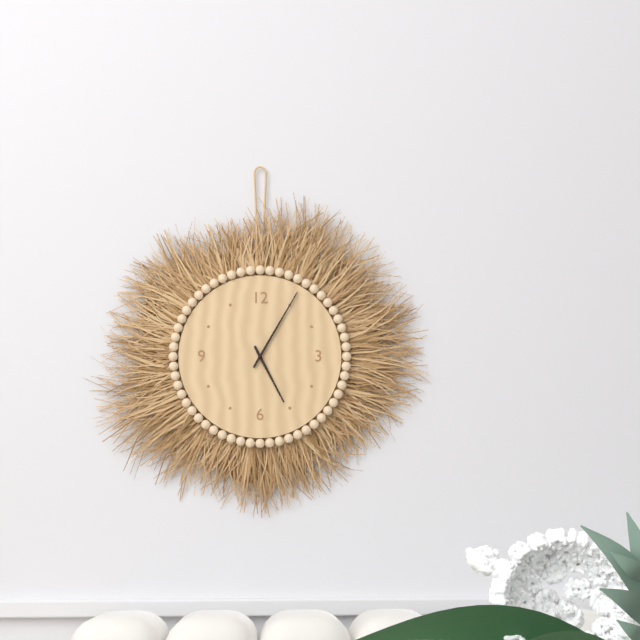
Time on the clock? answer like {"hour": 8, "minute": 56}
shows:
{"hour": 5, "minute": 5}
